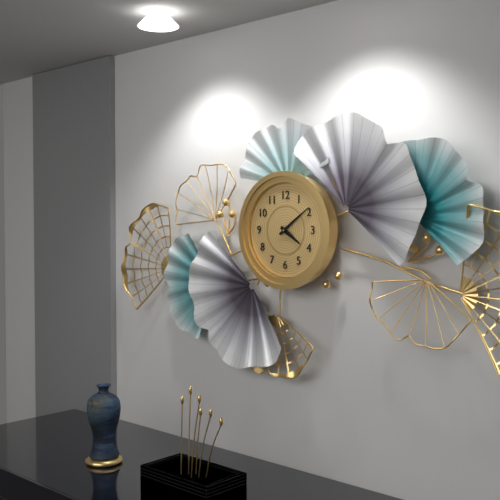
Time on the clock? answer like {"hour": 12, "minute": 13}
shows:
{"hour": 4, "minute": 9}
